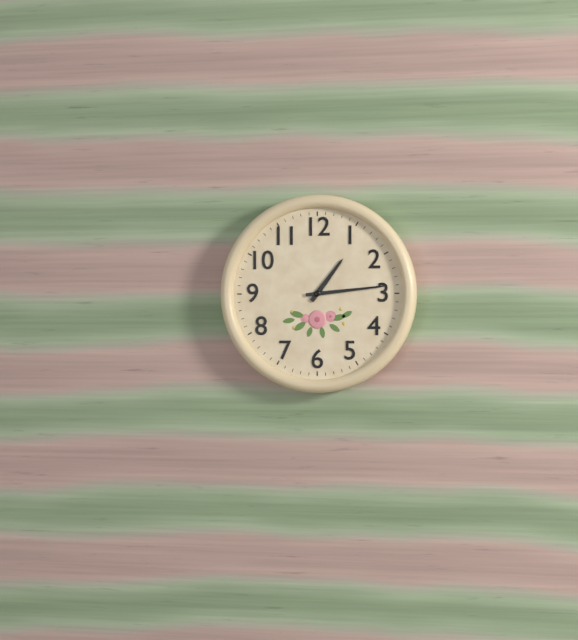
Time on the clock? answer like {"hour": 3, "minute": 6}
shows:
{"hour": 1, "minute": 14}
